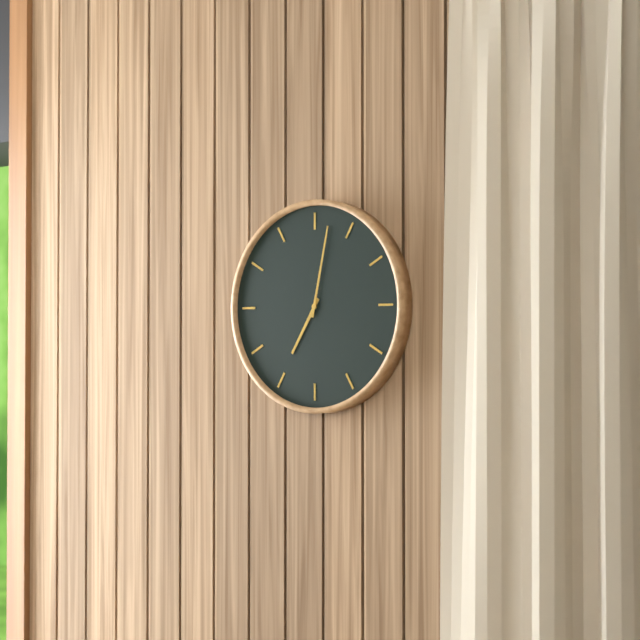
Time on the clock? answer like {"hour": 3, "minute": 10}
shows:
{"hour": 7, "minute": 2}
